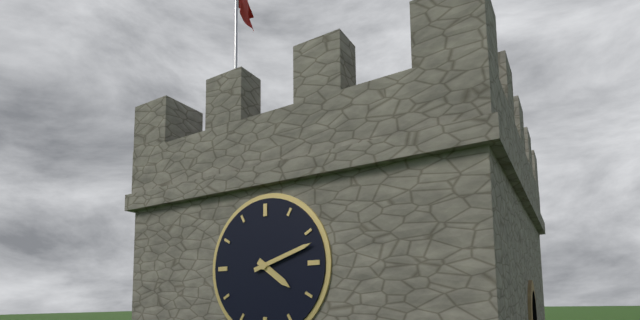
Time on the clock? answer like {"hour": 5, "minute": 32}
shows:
{"hour": 4, "minute": 12}
